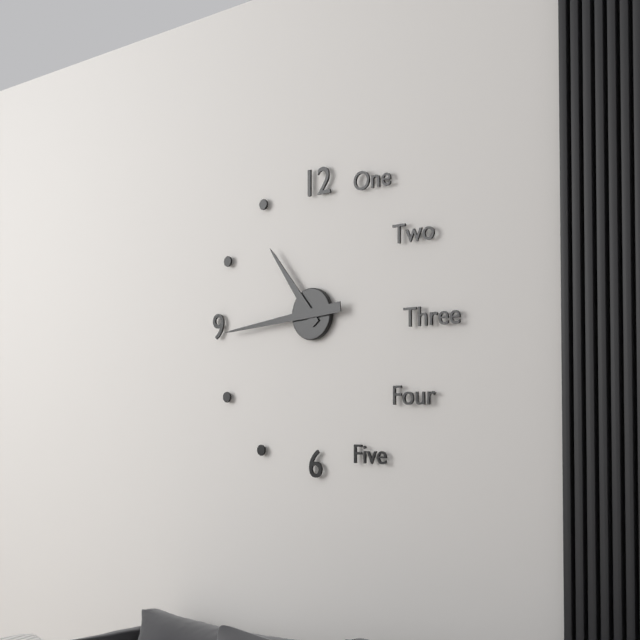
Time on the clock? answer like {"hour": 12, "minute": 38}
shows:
{"hour": 10, "minute": 44}
